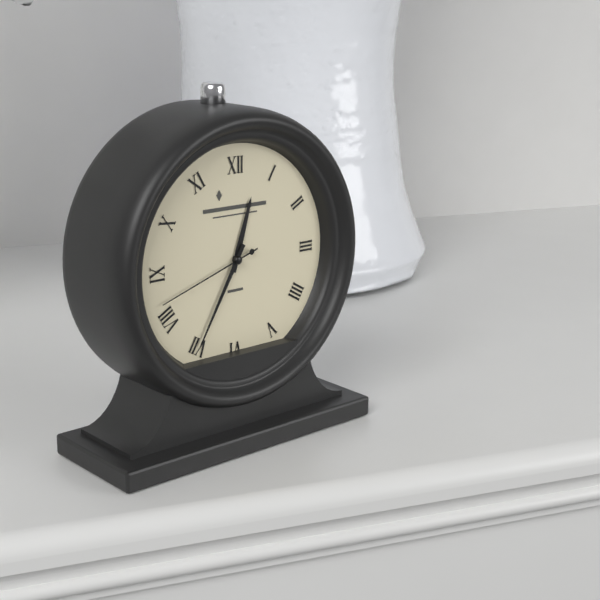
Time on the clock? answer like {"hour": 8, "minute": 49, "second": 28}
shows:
{"hour": 12, "minute": 35, "second": 42}
